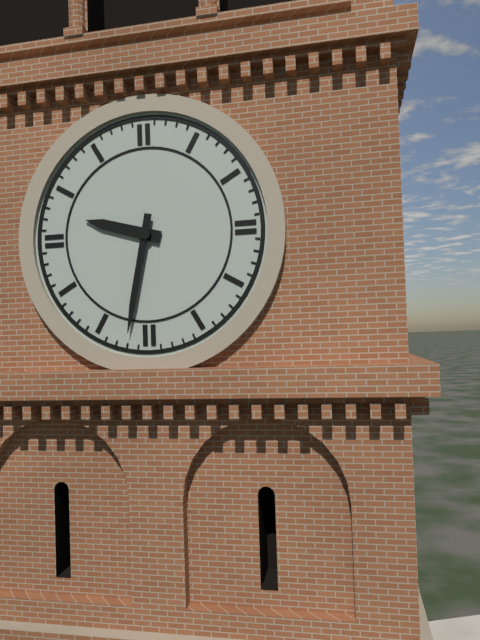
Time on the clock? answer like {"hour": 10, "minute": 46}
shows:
{"hour": 9, "minute": 32}
